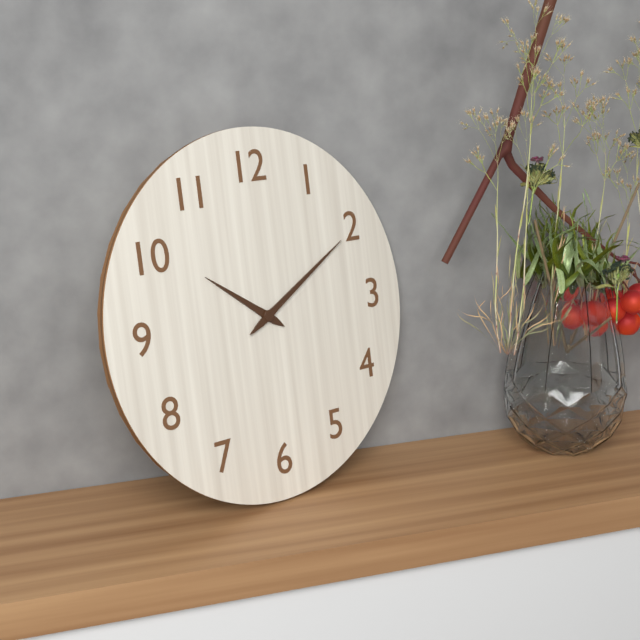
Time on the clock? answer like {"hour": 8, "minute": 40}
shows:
{"hour": 10, "minute": 10}
